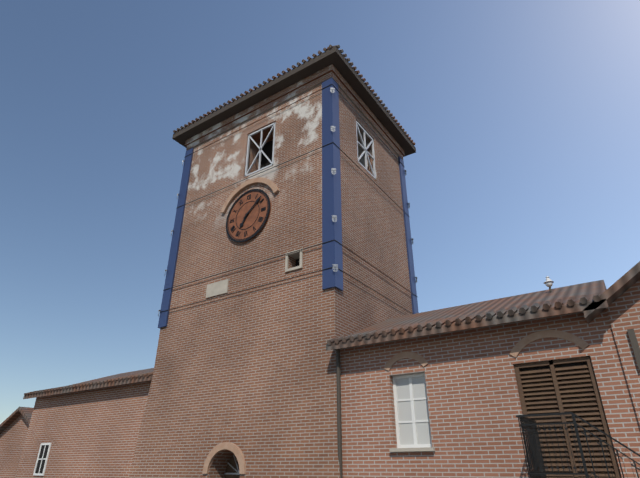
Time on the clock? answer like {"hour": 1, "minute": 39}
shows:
{"hour": 7, "minute": 8}
